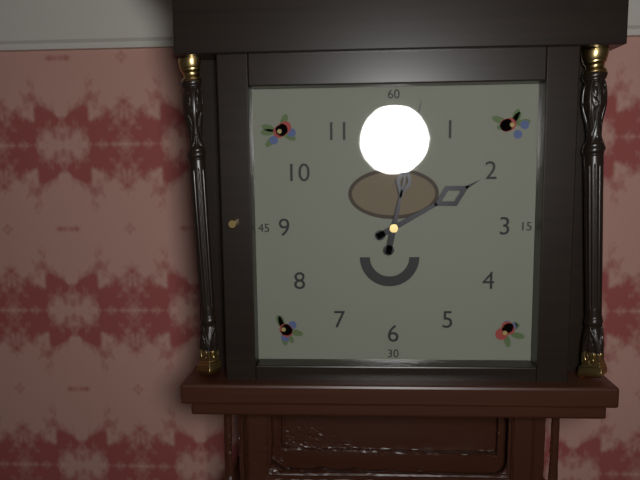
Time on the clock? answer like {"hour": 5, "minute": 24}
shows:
{"hour": 2, "minute": 2}
